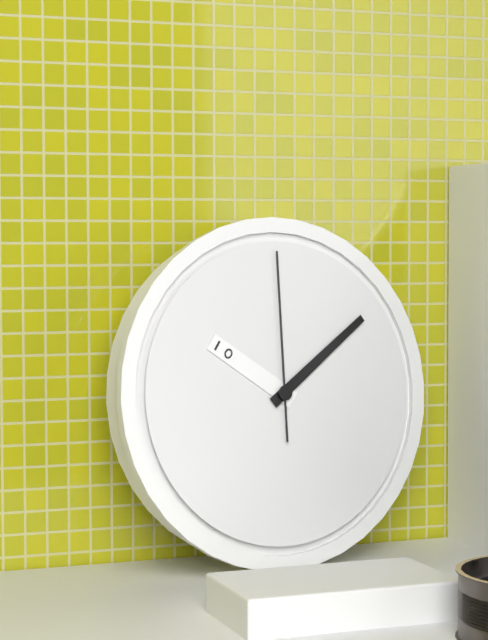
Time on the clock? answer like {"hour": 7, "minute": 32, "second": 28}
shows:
{"hour": 10, "minute": 9, "second": 0}
